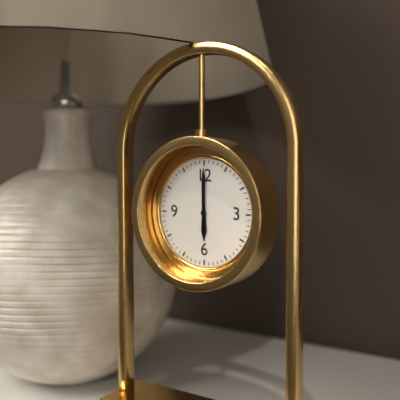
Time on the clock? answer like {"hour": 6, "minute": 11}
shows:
{"hour": 6, "minute": 0}
